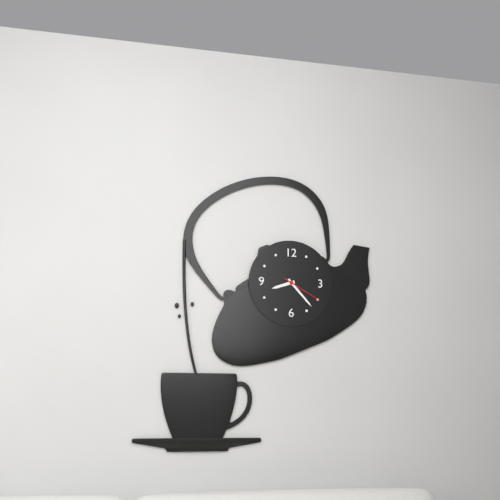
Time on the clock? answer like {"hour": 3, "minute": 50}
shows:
{"hour": 8, "minute": 23}
